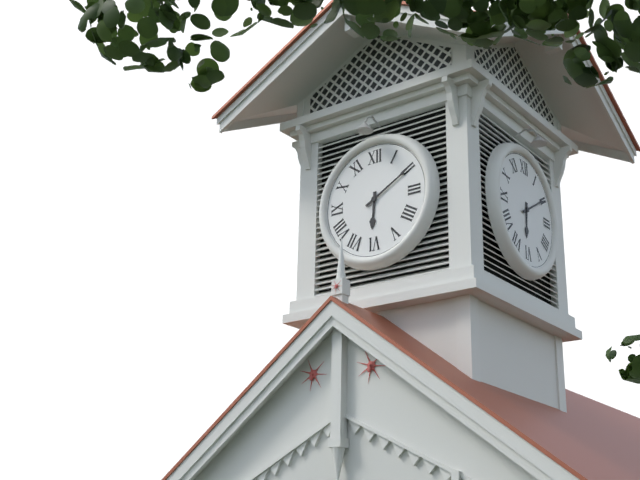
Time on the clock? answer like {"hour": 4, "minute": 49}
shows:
{"hour": 6, "minute": 10}
